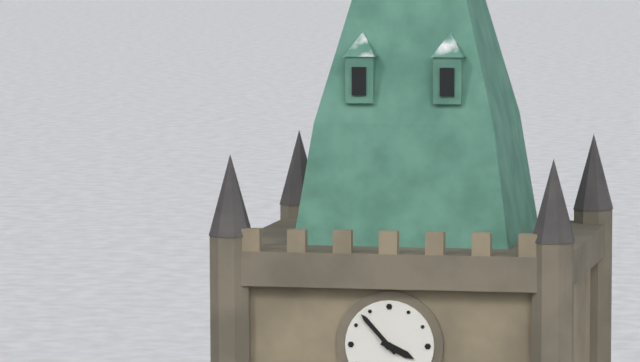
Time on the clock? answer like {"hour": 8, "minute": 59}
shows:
{"hour": 3, "minute": 53}
